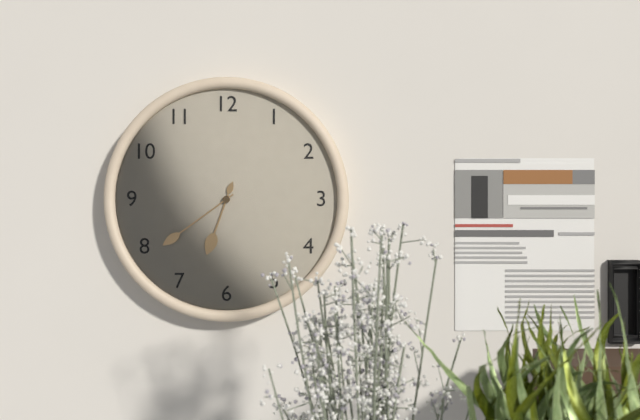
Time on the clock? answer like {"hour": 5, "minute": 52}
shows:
{"hour": 6, "minute": 39}
